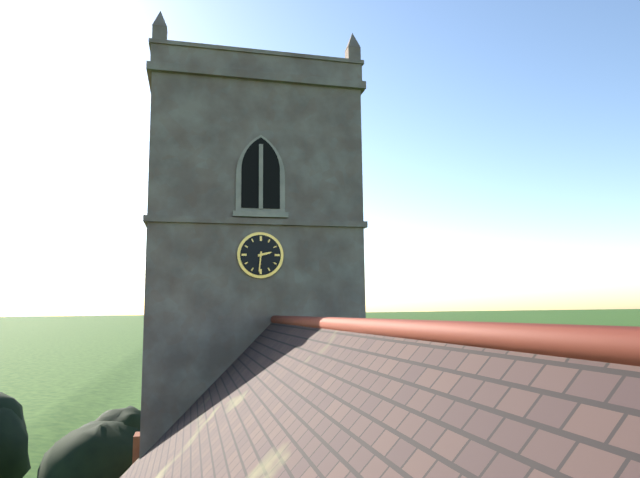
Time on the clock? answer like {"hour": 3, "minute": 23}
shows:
{"hour": 2, "minute": 31}
